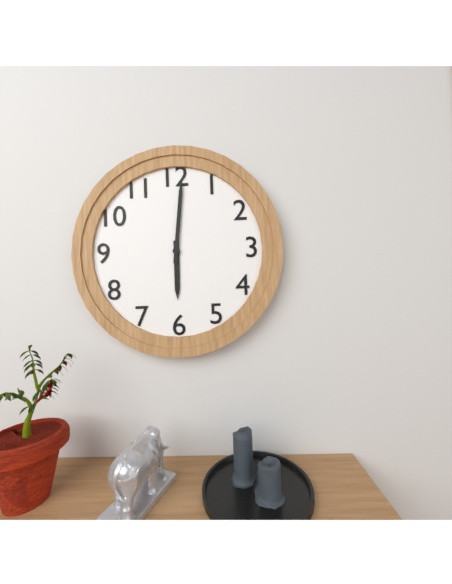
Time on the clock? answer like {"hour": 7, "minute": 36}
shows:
{"hour": 6, "minute": 1}
